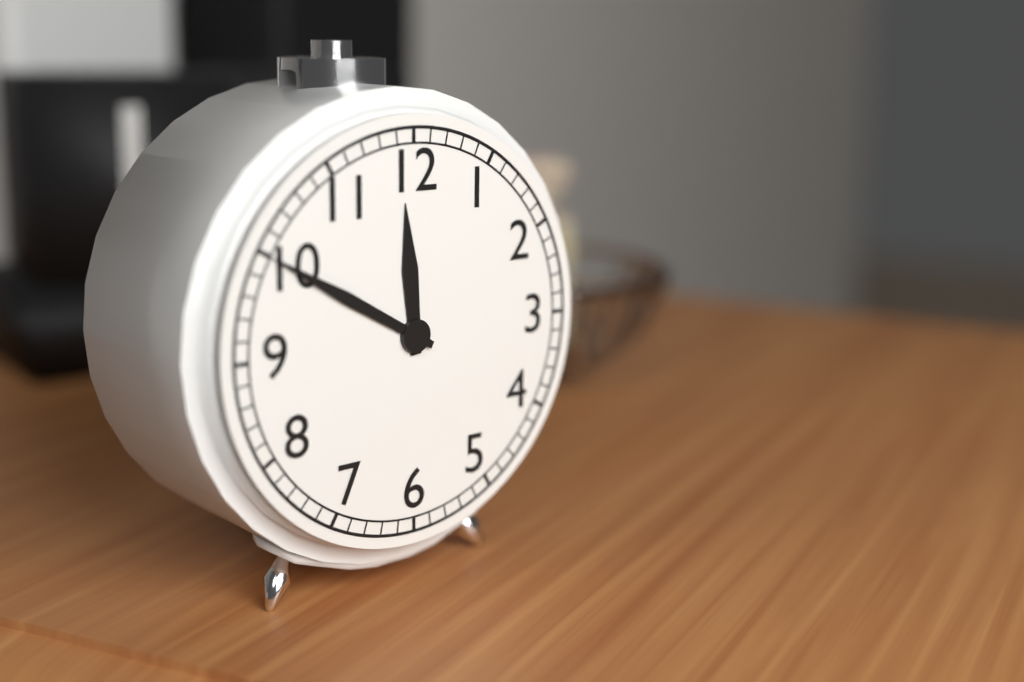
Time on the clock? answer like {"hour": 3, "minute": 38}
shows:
{"hour": 11, "minute": 50}
